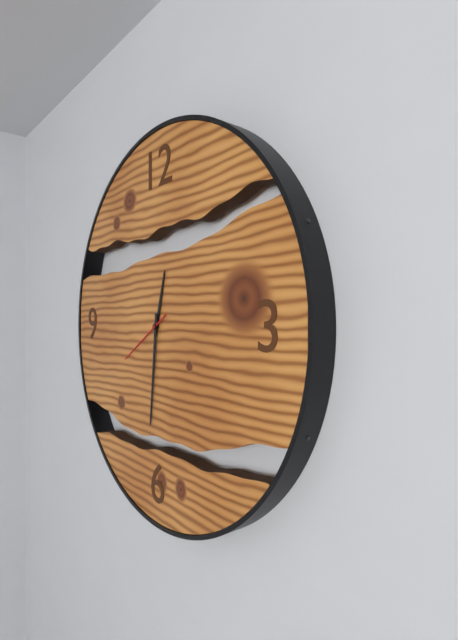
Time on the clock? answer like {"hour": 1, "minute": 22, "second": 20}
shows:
{"hour": 12, "minute": 31, "second": 40}
